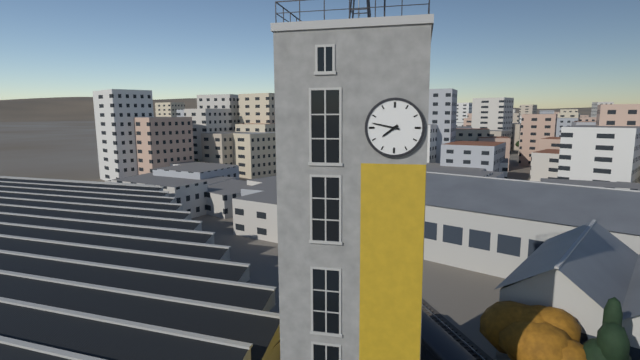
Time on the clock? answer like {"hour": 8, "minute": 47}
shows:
{"hour": 7, "minute": 47}
